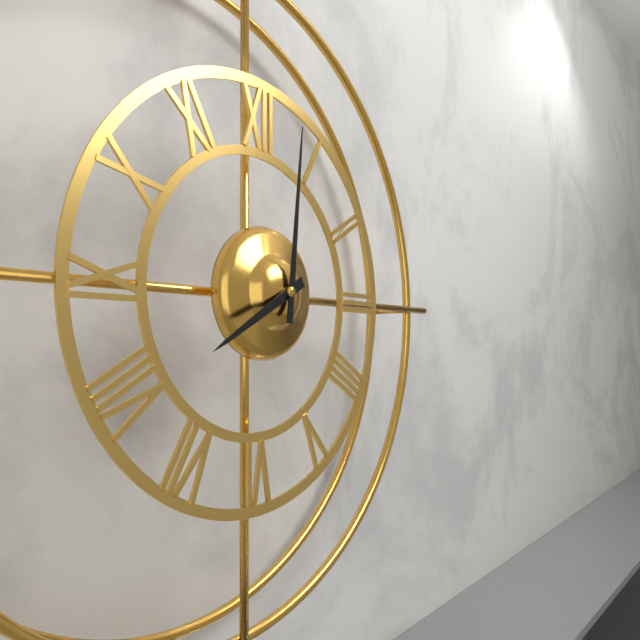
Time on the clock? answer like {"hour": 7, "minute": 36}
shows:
{"hour": 8, "minute": 1}
